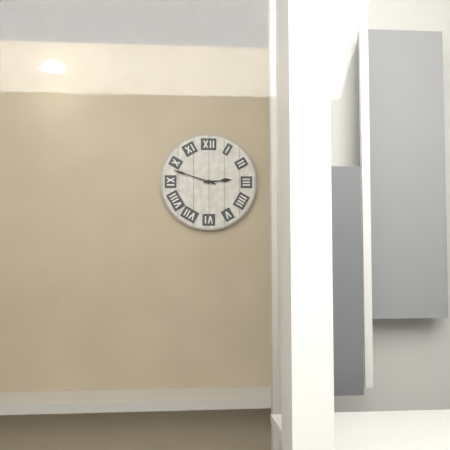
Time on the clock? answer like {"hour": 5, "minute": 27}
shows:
{"hour": 2, "minute": 48}
